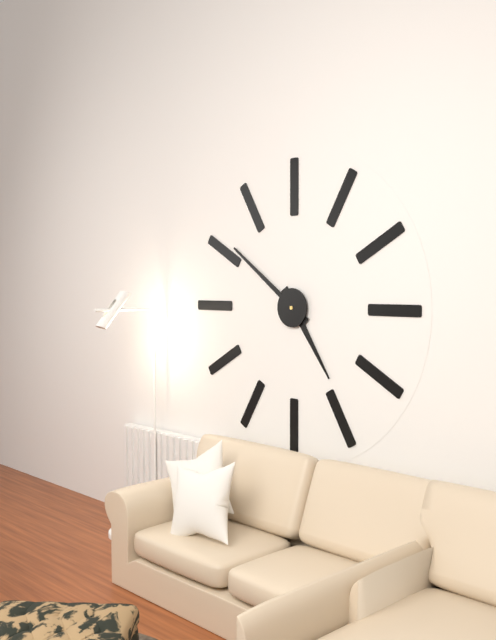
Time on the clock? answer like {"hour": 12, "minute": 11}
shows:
{"hour": 4, "minute": 51}
